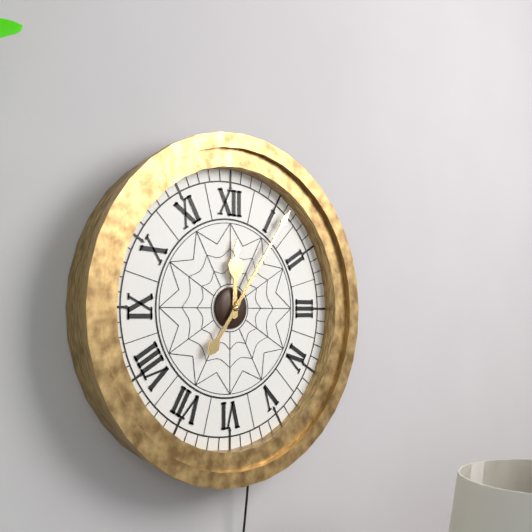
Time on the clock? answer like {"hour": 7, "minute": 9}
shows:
{"hour": 12, "minute": 6}
